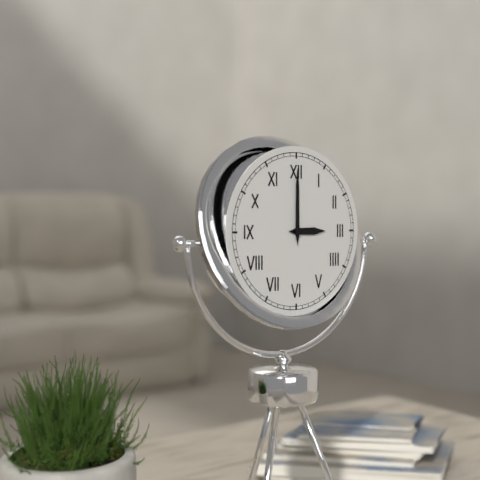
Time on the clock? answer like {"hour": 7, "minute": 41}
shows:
{"hour": 3, "minute": 0}
